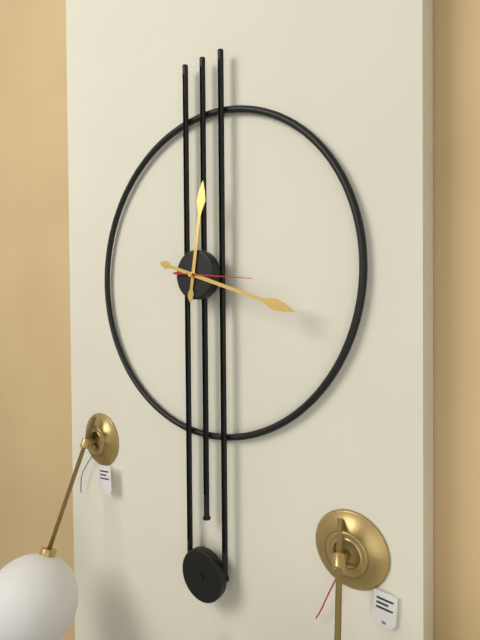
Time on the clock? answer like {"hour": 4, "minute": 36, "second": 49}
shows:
{"hour": 12, "minute": 18, "second": 16}
